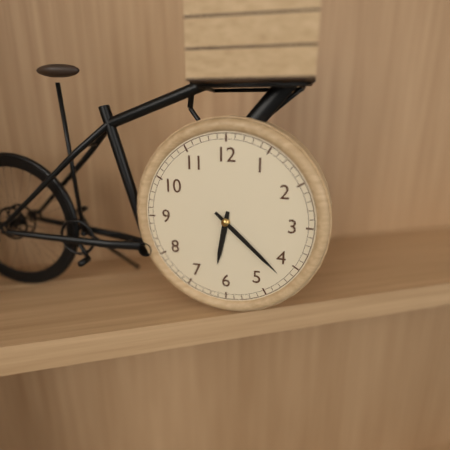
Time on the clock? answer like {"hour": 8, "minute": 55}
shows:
{"hour": 6, "minute": 22}
